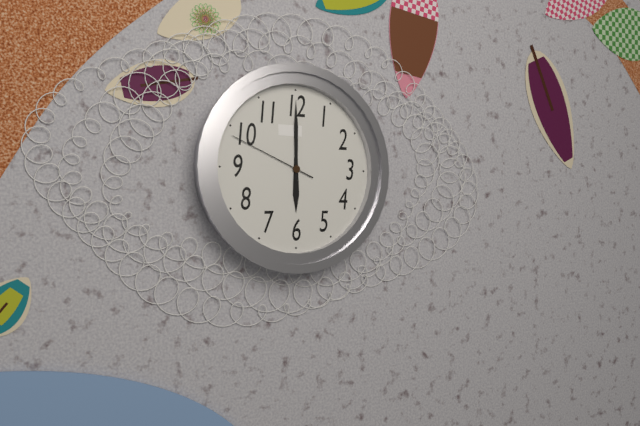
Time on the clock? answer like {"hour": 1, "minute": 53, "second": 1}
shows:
{"hour": 6, "minute": 0, "second": 49}
